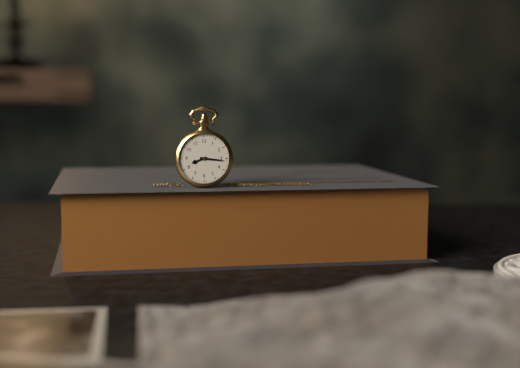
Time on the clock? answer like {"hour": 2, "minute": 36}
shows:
{"hour": 8, "minute": 16}
